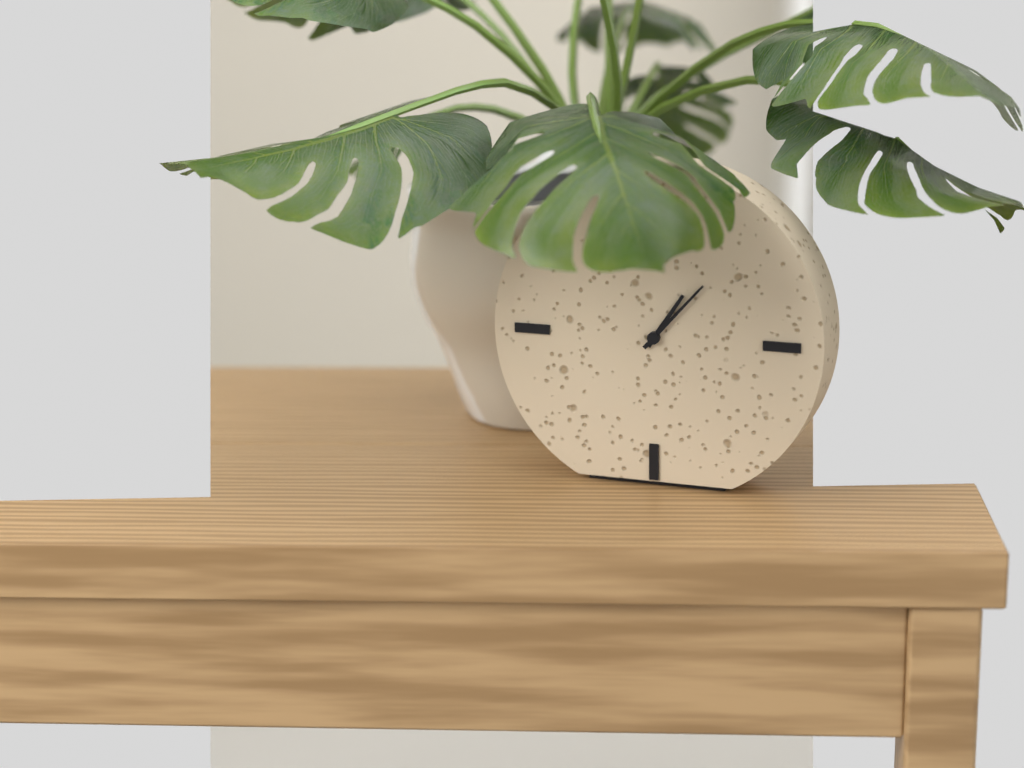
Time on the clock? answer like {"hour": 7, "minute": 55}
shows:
{"hour": 1, "minute": 7}
